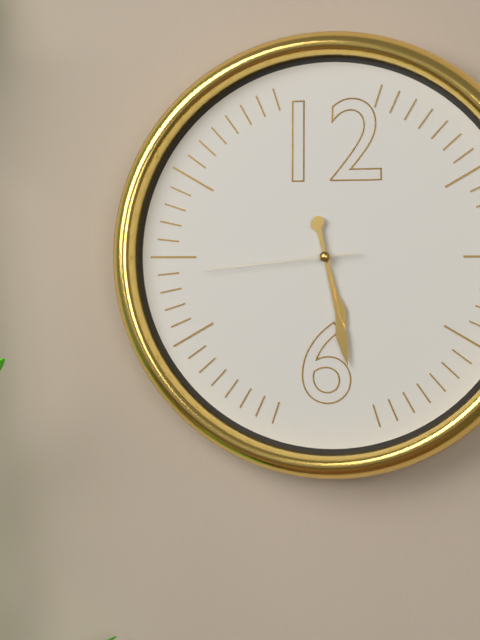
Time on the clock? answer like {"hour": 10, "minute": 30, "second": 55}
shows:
{"hour": 5, "minute": 28, "second": 44}
